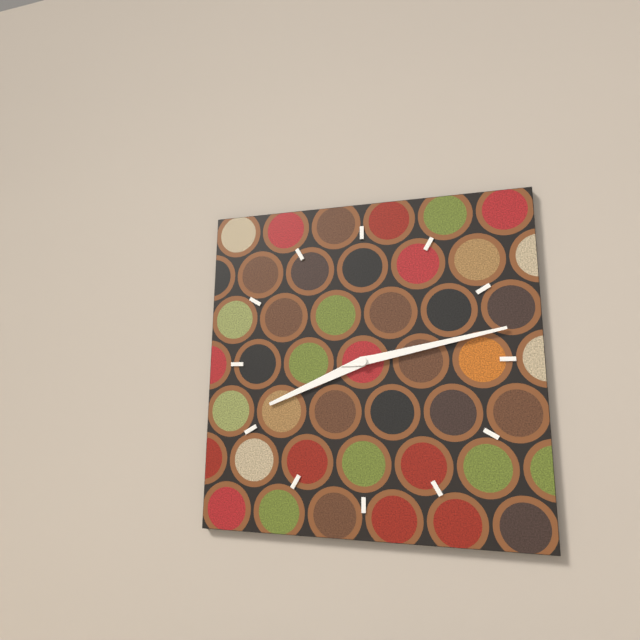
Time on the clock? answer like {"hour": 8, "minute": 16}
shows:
{"hour": 8, "minute": 13}
